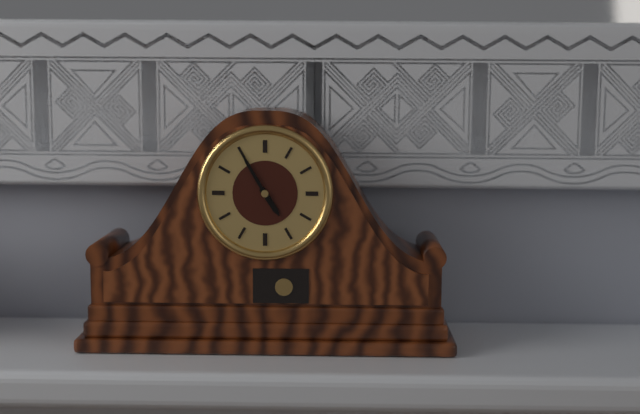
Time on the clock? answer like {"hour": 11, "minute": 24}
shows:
{"hour": 4, "minute": 55}
